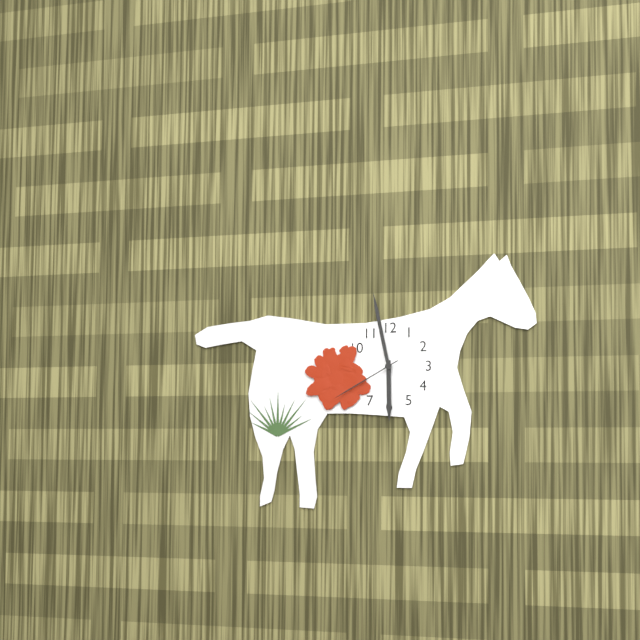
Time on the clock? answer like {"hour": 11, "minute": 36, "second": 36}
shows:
{"hour": 5, "minute": 58, "second": 40}
